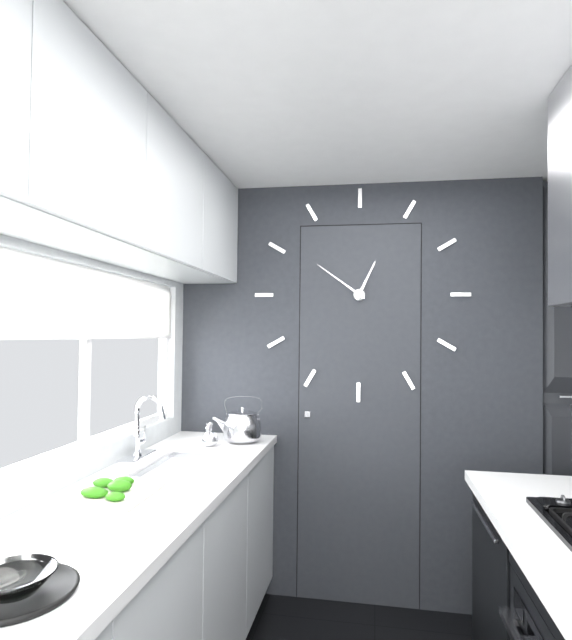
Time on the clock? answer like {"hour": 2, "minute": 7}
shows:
{"hour": 12, "minute": 51}
